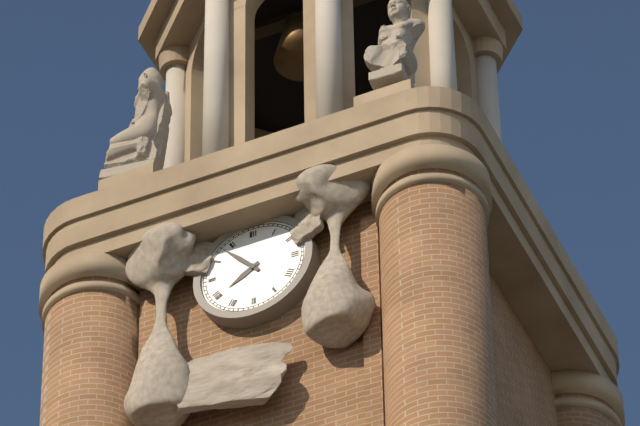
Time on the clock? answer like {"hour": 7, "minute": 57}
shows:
{"hour": 7, "minute": 53}
